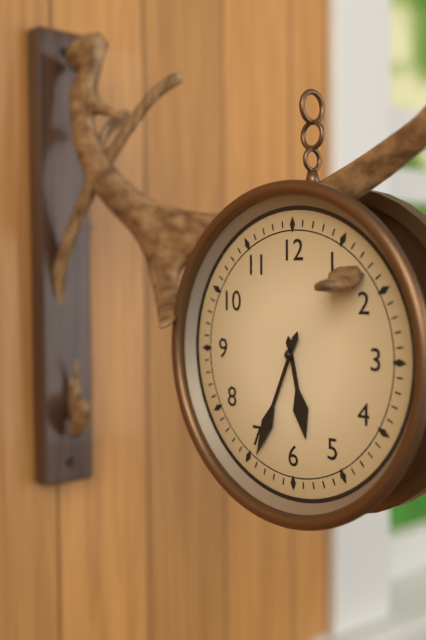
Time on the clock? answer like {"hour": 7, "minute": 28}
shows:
{"hour": 5, "minute": 34}
